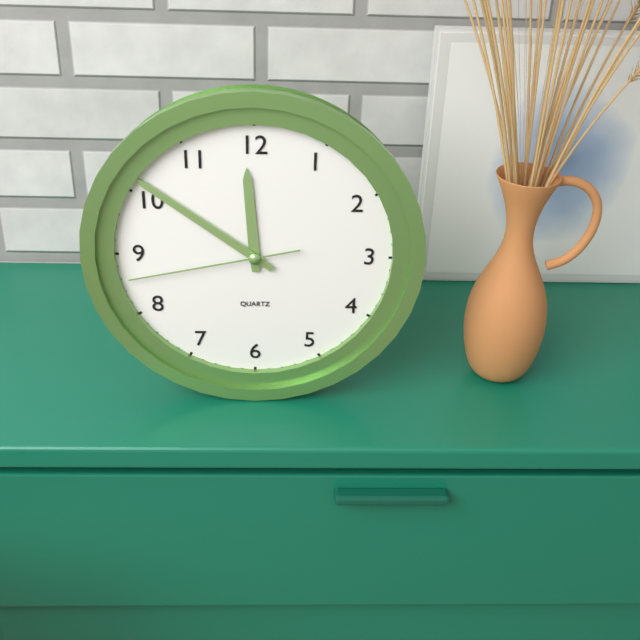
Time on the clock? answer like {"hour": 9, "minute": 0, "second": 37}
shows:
{"hour": 11, "minute": 51, "second": 43}
